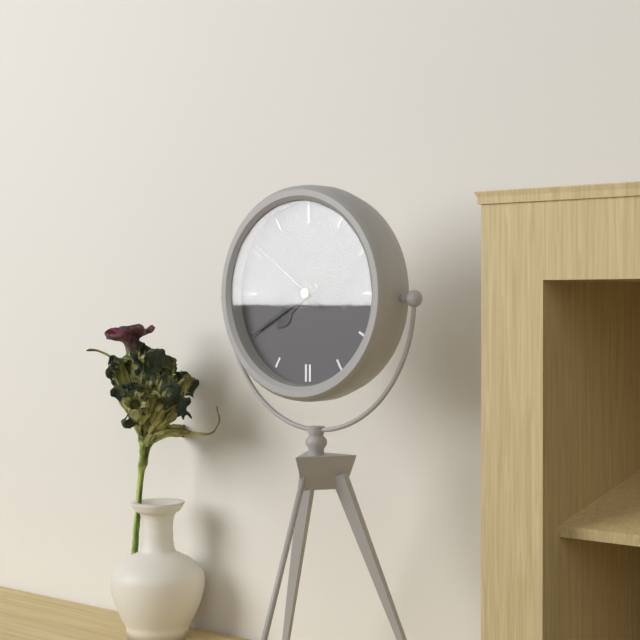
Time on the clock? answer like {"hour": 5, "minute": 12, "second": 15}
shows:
{"hour": 7, "minute": 40, "second": 51}
